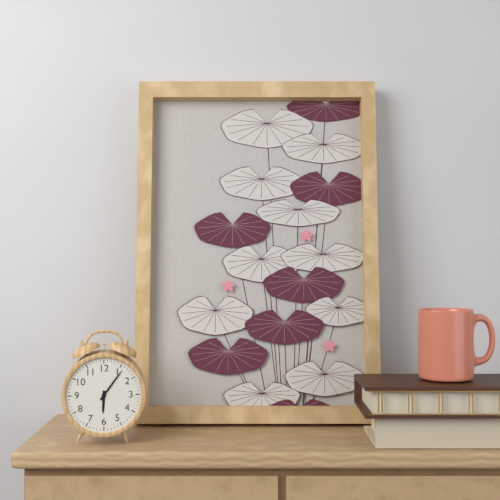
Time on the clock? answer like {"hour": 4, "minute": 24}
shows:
{"hour": 6, "minute": 6}
